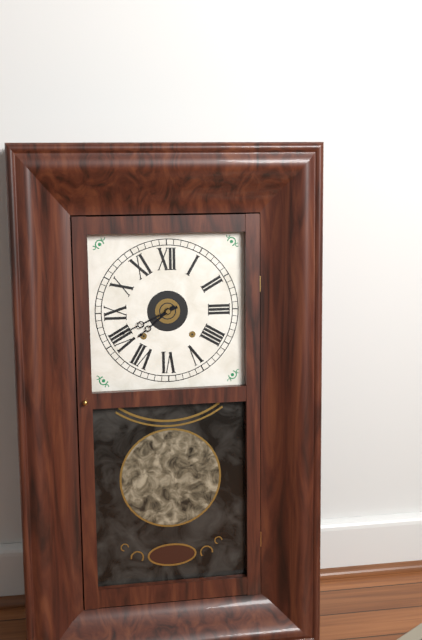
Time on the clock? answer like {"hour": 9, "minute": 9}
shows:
{"hour": 7, "minute": 41}
